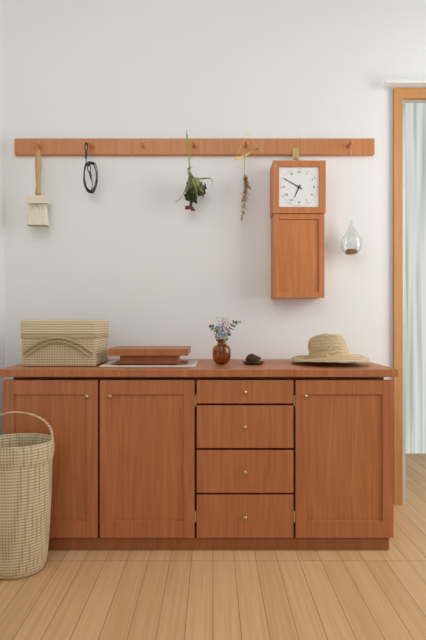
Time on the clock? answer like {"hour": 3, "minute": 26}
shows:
{"hour": 6, "minute": 50}
